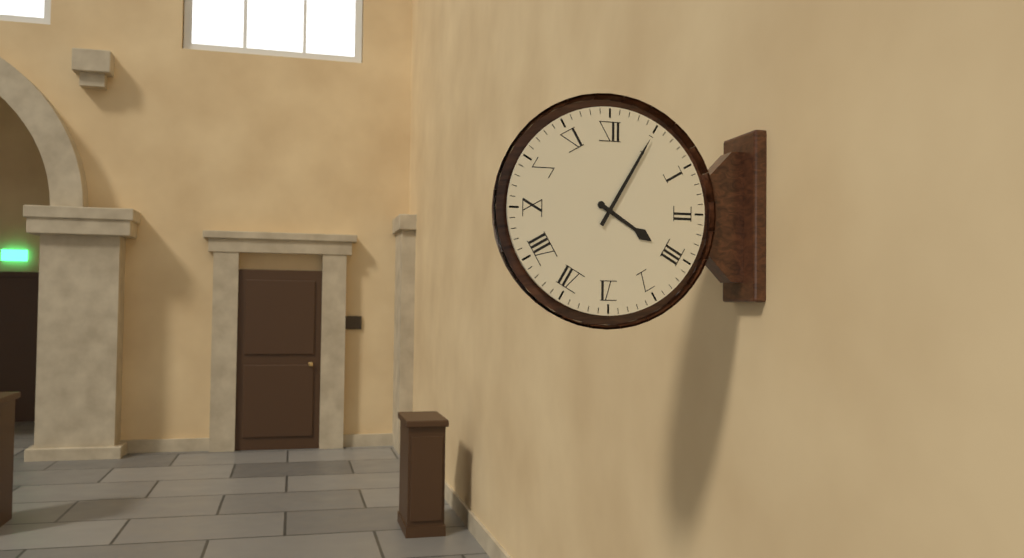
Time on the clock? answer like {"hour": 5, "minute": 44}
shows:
{"hour": 4, "minute": 5}
